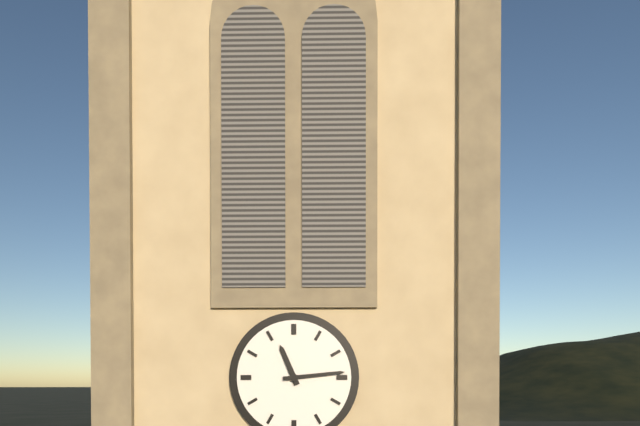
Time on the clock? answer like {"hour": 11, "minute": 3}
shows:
{"hour": 11, "minute": 14}
